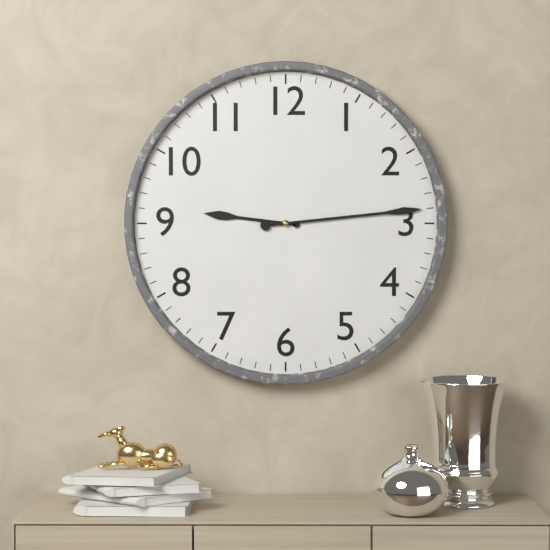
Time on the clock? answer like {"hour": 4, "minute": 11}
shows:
{"hour": 9, "minute": 14}
